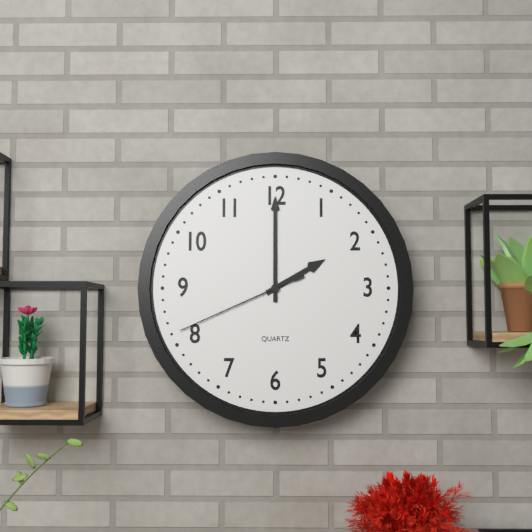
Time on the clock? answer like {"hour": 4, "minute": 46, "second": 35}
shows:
{"hour": 2, "minute": 0, "second": 41}
